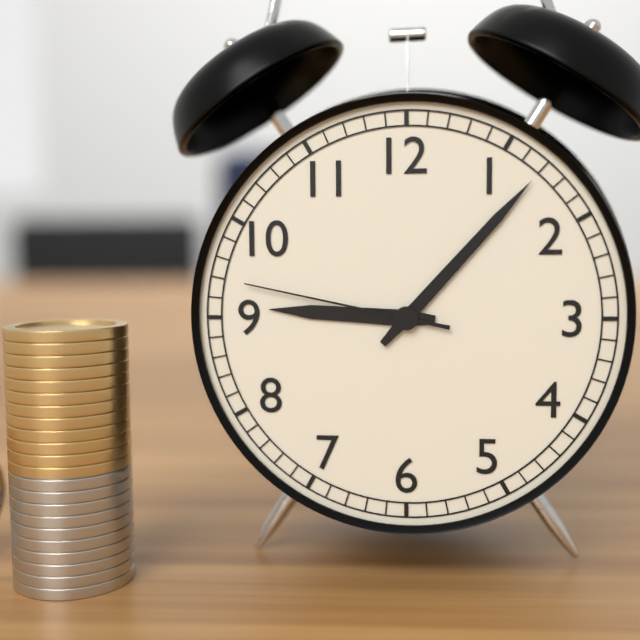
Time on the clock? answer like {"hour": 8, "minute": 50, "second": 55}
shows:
{"hour": 9, "minute": 7, "second": 47}
